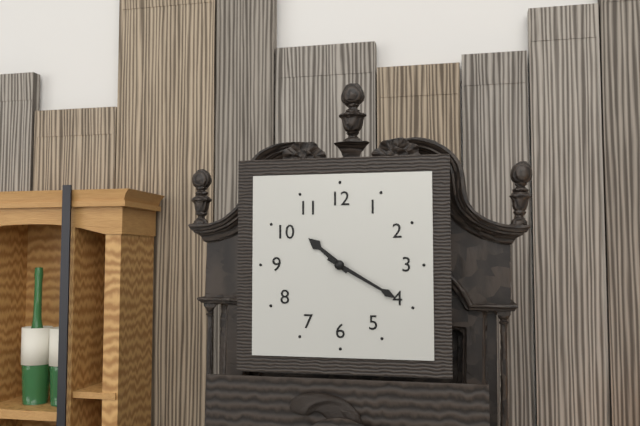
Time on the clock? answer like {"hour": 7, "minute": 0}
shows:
{"hour": 10, "minute": 20}
